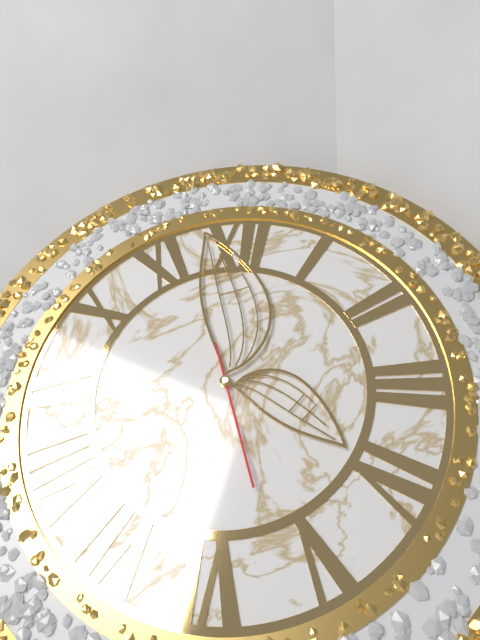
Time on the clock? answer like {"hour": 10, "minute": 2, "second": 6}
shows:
{"hour": 3, "minute": 58, "second": 27}
